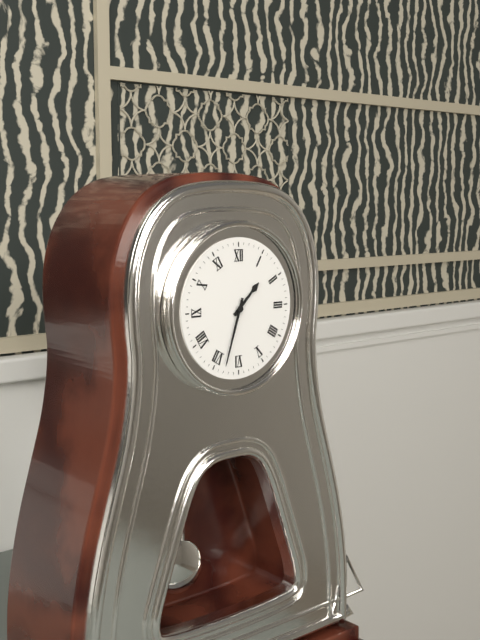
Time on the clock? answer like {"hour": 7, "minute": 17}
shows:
{"hour": 1, "minute": 33}
